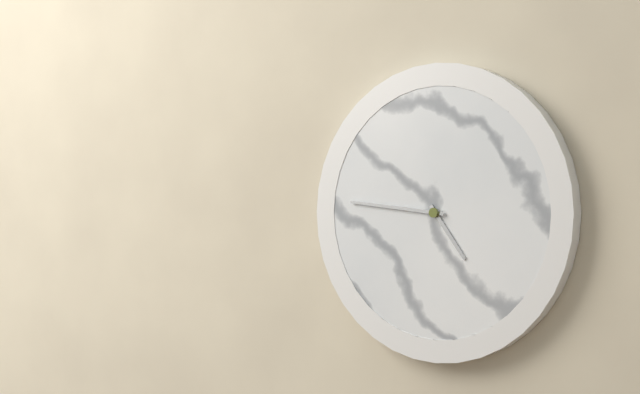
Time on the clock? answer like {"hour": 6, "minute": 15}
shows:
{"hour": 4, "minute": 46}
